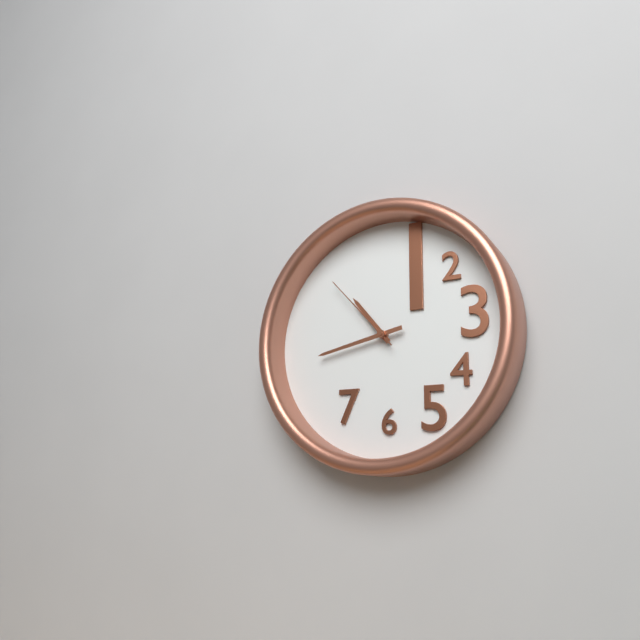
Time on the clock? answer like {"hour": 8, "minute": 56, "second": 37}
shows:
{"hour": 10, "minute": 43, "second": 53}
